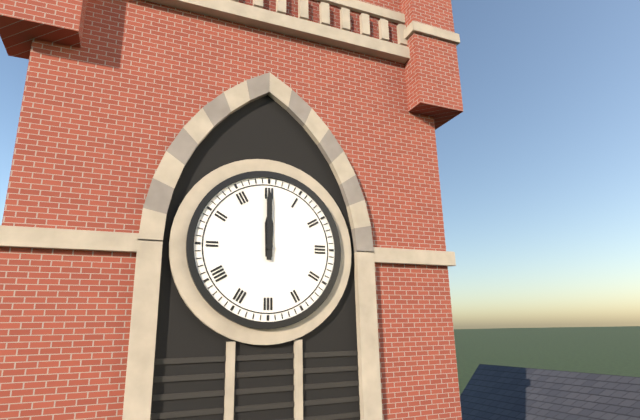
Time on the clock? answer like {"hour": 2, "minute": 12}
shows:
{"hour": 12, "minute": 0}
